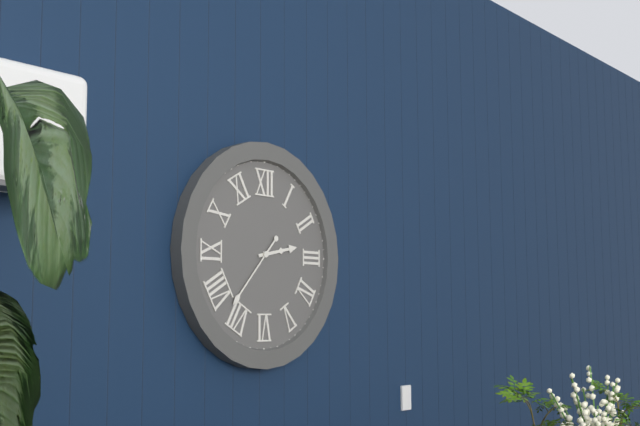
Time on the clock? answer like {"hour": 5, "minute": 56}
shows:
{"hour": 2, "minute": 37}
